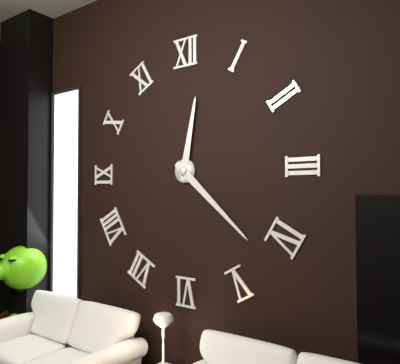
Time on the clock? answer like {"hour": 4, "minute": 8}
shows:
{"hour": 12, "minute": 22}
